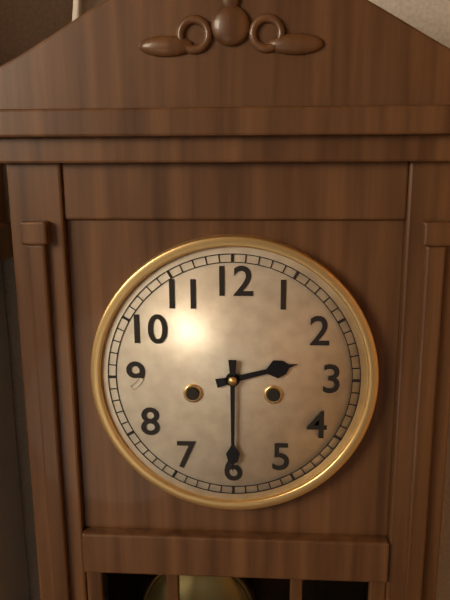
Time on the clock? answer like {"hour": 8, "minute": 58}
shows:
{"hour": 2, "minute": 30}
